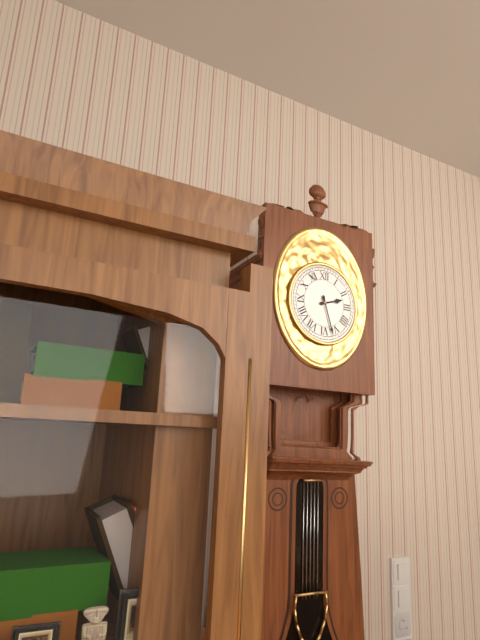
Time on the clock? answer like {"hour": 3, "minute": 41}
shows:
{"hour": 2, "minute": 27}
